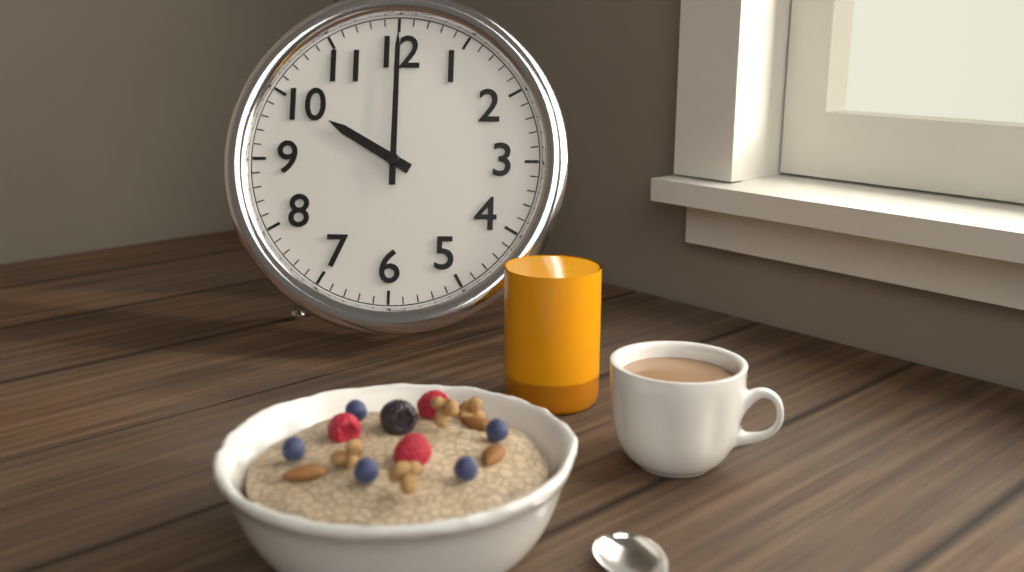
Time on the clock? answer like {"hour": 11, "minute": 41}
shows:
{"hour": 10, "minute": 0}
